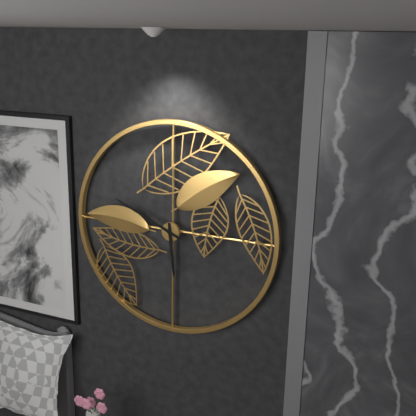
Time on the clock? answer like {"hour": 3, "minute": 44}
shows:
{"hour": 5, "minute": 49}
